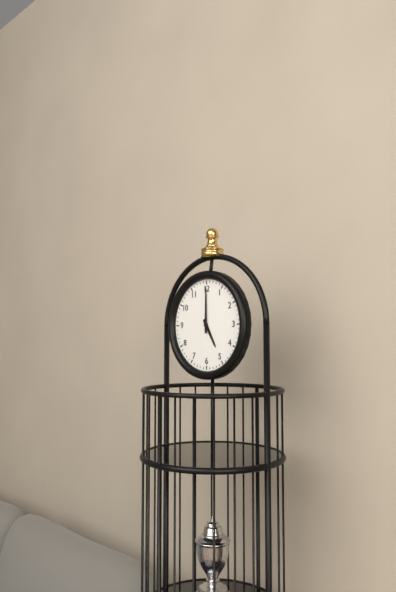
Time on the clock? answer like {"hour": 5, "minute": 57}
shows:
{"hour": 5, "minute": 0}
